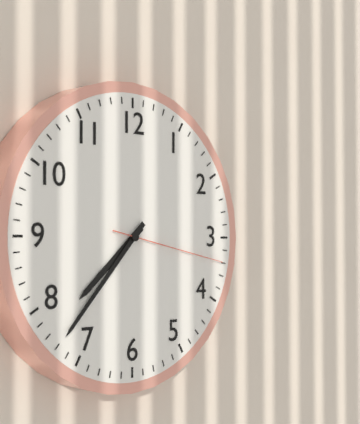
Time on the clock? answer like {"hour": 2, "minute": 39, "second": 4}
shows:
{"hour": 7, "minute": 37, "second": 17}
